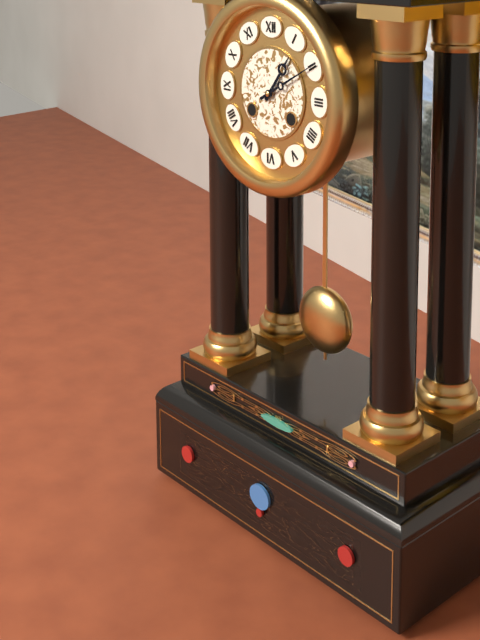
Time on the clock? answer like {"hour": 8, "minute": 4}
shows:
{"hour": 1, "minute": 10}
